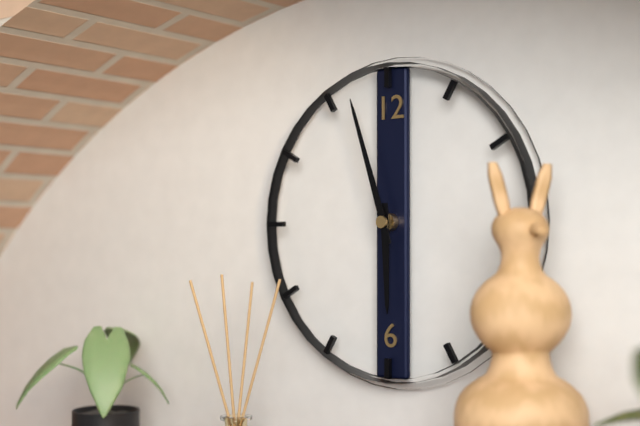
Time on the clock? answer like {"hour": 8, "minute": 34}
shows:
{"hour": 5, "minute": 57}
